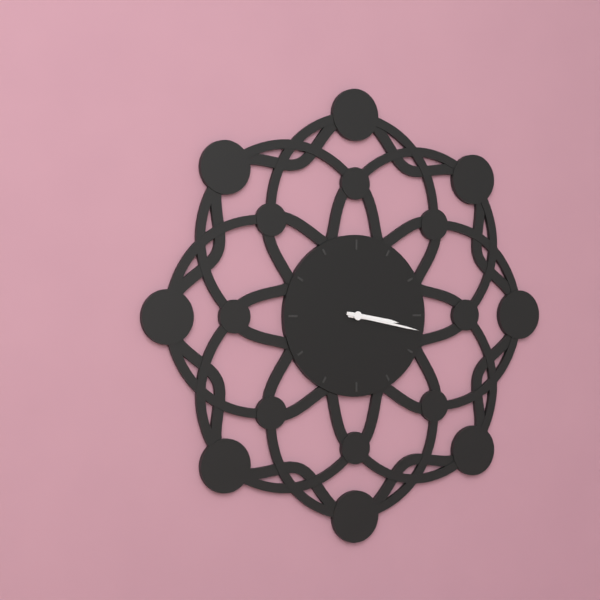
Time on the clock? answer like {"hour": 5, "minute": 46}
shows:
{"hour": 3, "minute": 17}
